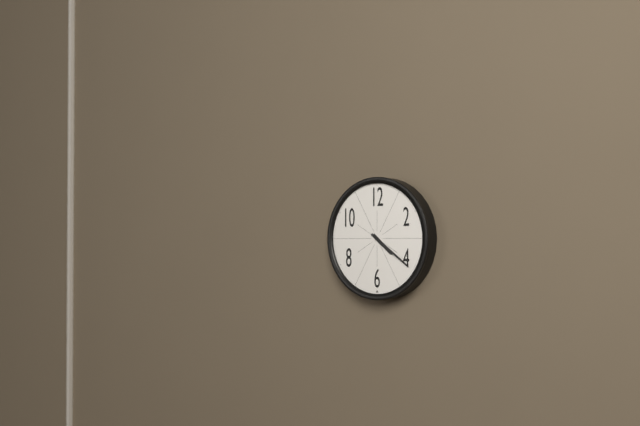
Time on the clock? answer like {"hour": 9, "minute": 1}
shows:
{"hour": 4, "minute": 21}
